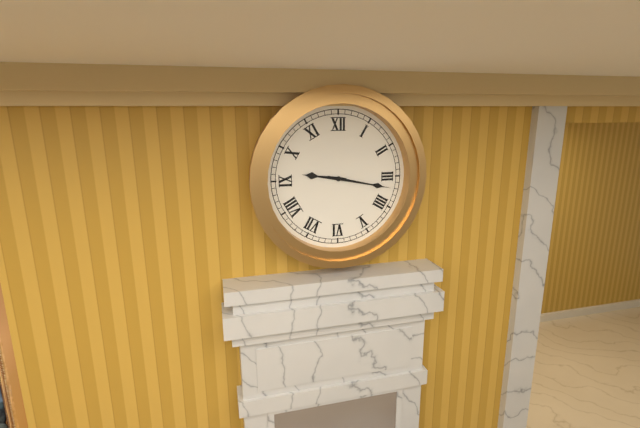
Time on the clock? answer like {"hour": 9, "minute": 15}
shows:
{"hour": 9, "minute": 17}
